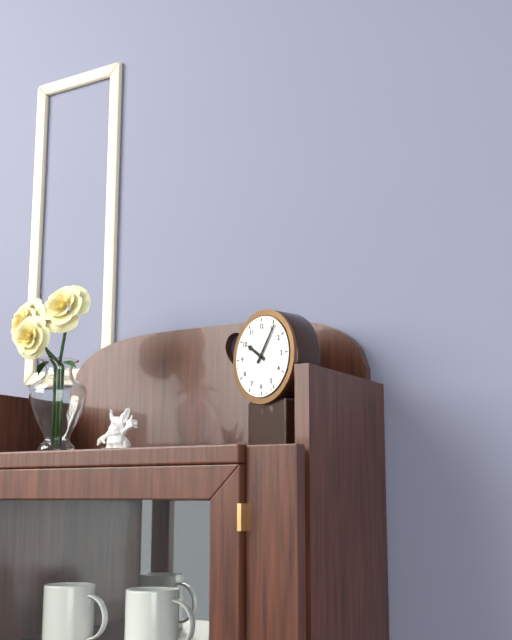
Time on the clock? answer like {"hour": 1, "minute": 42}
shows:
{"hour": 10, "minute": 6}
